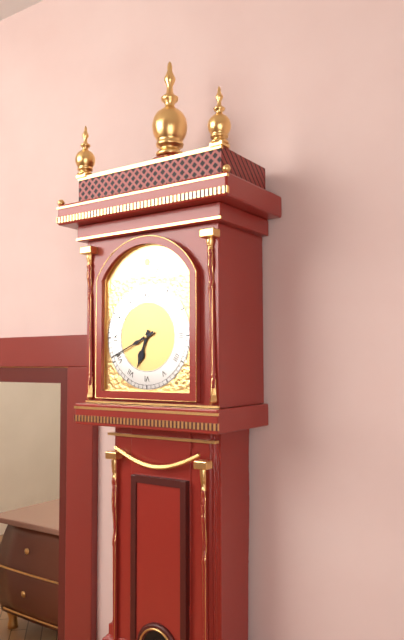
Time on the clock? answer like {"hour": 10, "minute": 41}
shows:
{"hour": 6, "minute": 41}
